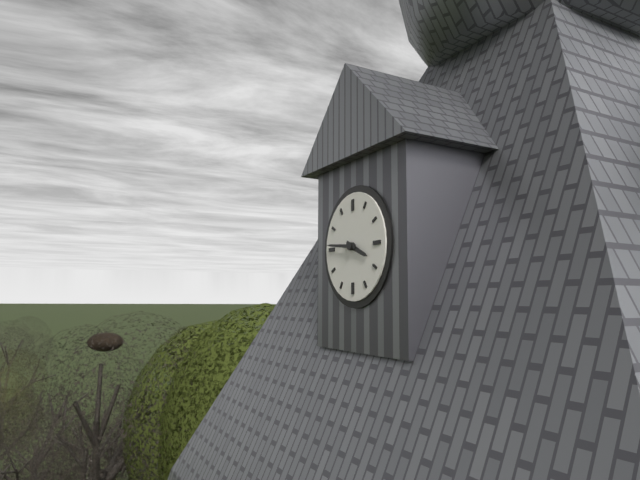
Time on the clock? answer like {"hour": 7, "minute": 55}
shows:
{"hour": 3, "minute": 46}
